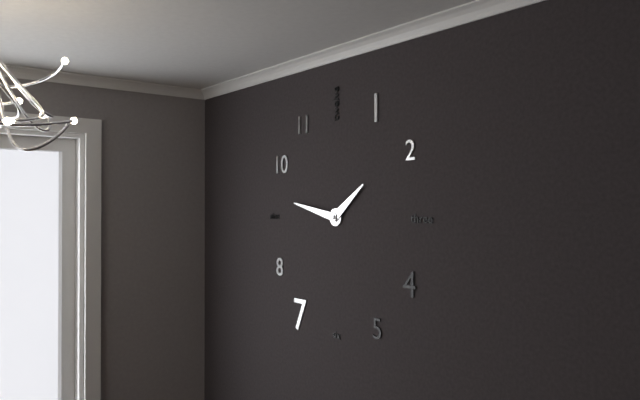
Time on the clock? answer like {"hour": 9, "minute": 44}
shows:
{"hour": 1, "minute": 47}
